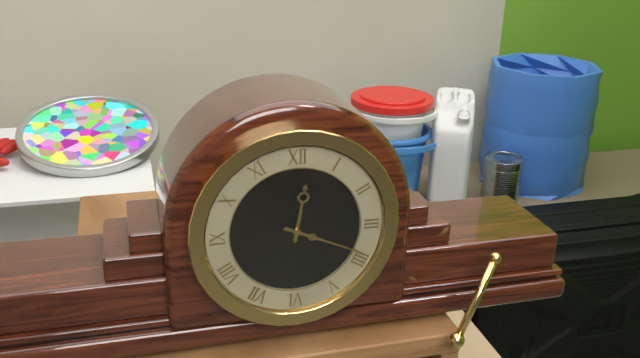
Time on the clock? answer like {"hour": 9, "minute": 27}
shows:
{"hour": 12, "minute": 19}
